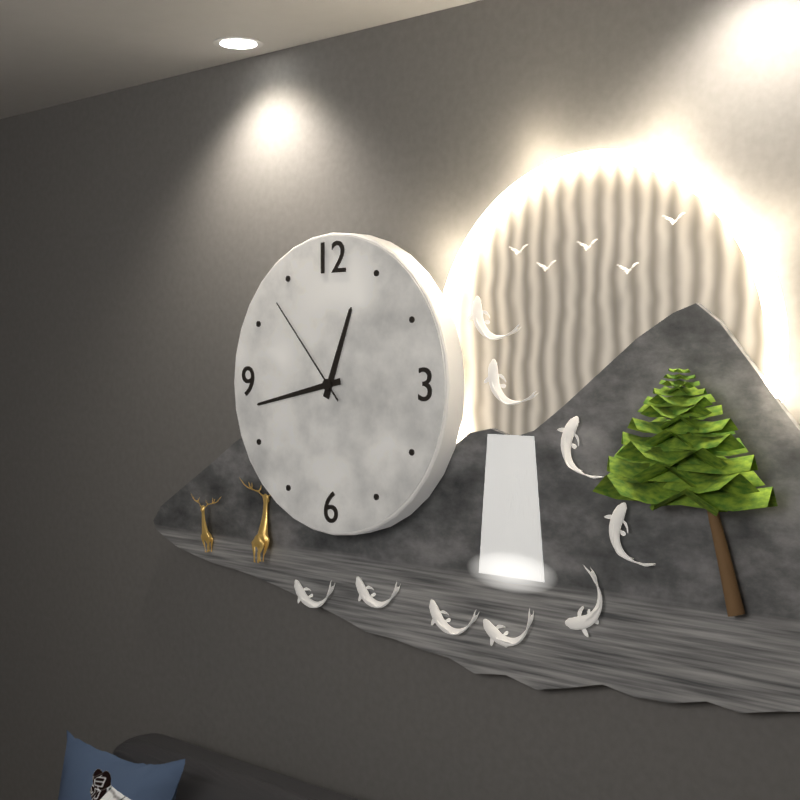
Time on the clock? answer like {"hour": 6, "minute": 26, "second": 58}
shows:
{"hour": 12, "minute": 43, "second": 53}
